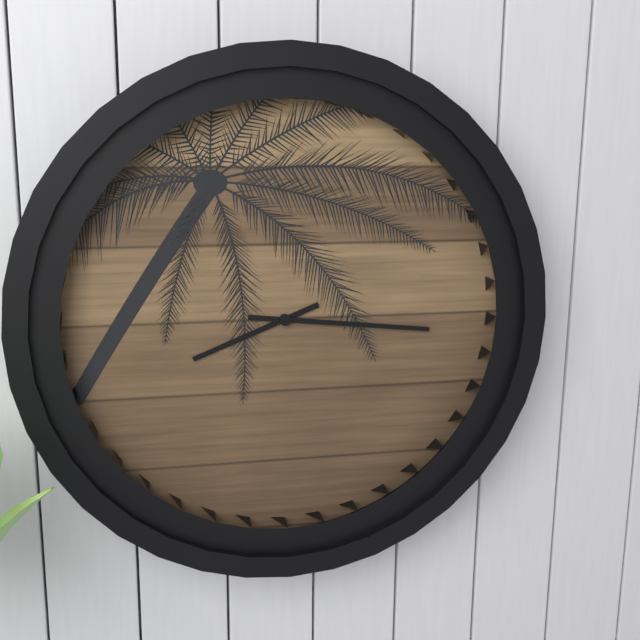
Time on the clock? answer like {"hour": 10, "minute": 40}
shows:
{"hour": 8, "minute": 16}
